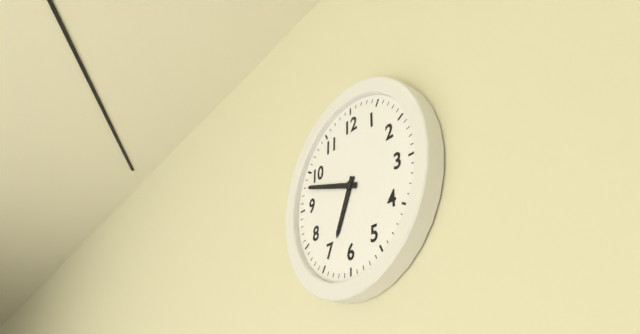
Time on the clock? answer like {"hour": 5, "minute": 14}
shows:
{"hour": 6, "minute": 48}
